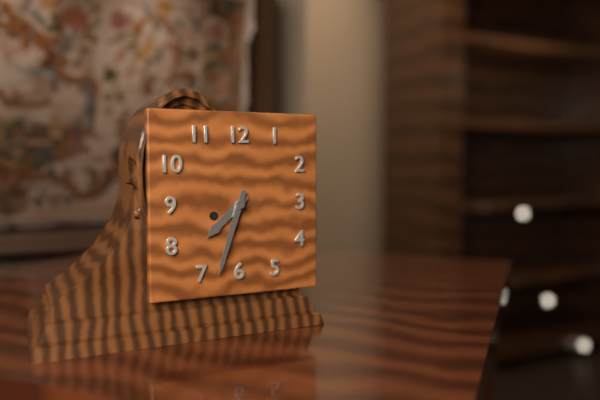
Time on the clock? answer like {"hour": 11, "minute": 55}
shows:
{"hour": 7, "minute": 33}
